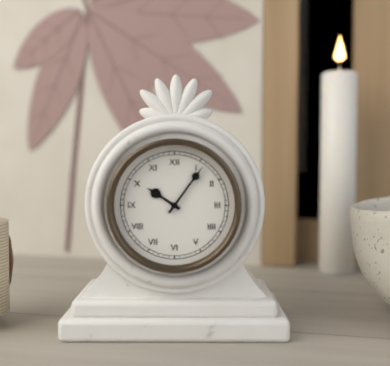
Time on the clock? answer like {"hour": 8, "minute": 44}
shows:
{"hour": 10, "minute": 6}
